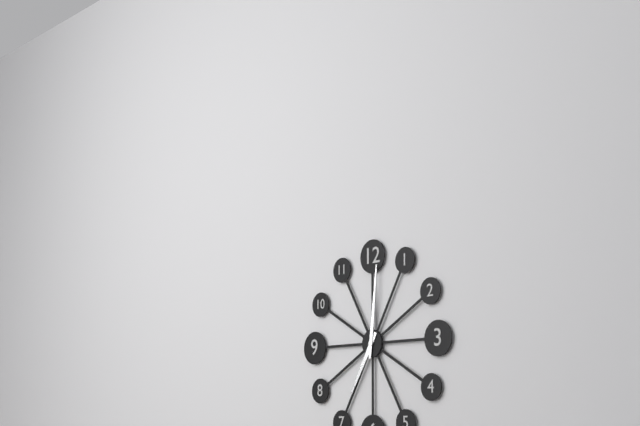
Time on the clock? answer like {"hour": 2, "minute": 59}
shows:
{"hour": 7, "minute": 1}
